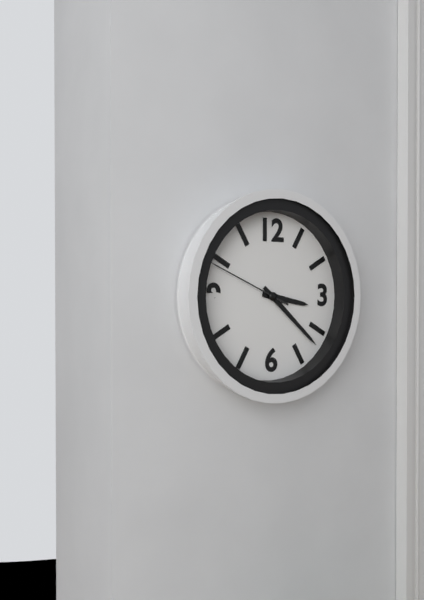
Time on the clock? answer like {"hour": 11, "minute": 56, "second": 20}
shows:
{"hour": 3, "minute": 22, "second": 49}
